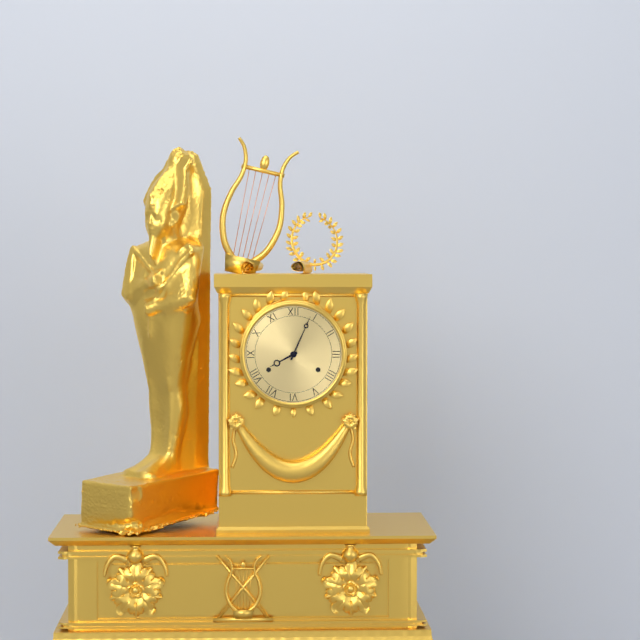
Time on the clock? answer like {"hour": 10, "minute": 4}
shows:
{"hour": 8, "minute": 4}
